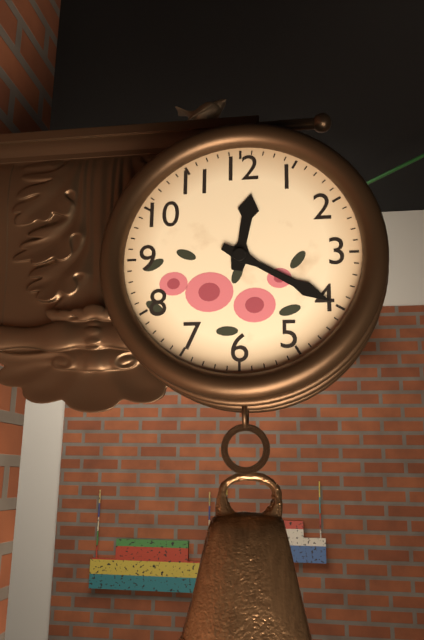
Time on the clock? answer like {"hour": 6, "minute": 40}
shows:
{"hour": 12, "minute": 20}
